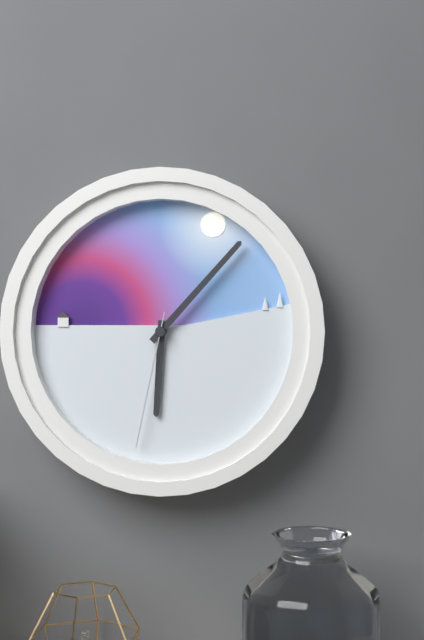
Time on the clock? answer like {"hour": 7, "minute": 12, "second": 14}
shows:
{"hour": 6, "minute": 7, "second": 32}
